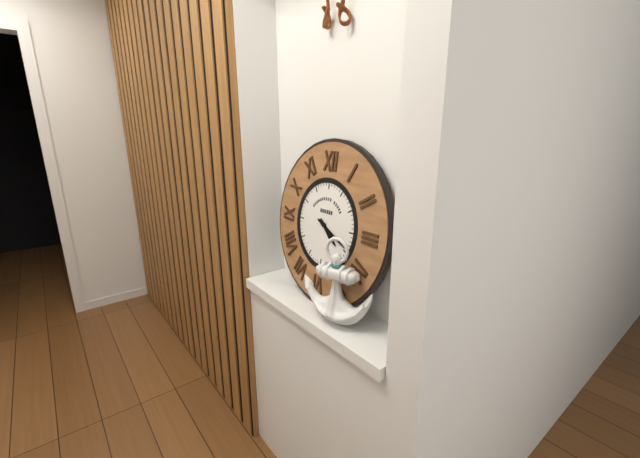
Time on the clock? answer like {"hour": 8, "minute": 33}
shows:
{"hour": 4, "minute": 19}
